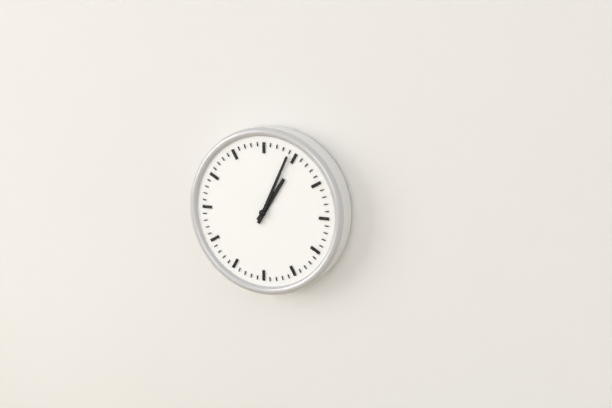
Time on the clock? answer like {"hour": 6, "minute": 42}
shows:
{"hour": 1, "minute": 4}
